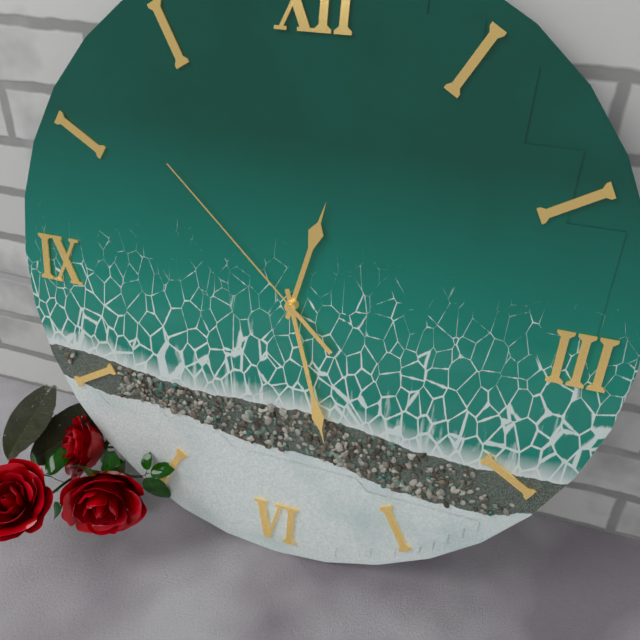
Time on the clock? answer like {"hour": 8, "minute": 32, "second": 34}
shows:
{"hour": 12, "minute": 27, "second": 52}
